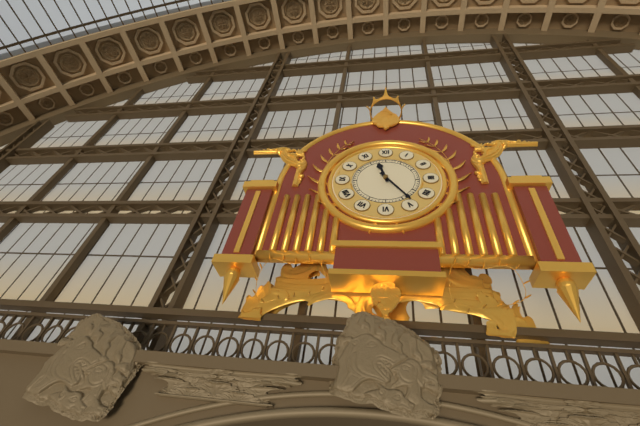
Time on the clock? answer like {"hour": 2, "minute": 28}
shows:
{"hour": 11, "minute": 24}
